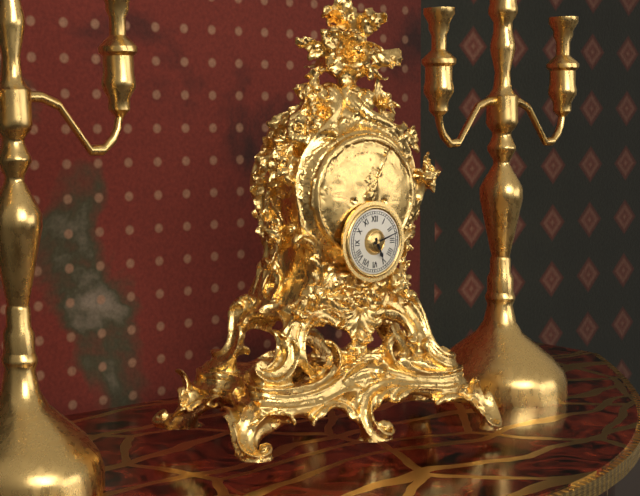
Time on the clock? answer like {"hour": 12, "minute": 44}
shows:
{"hour": 5, "minute": 12}
